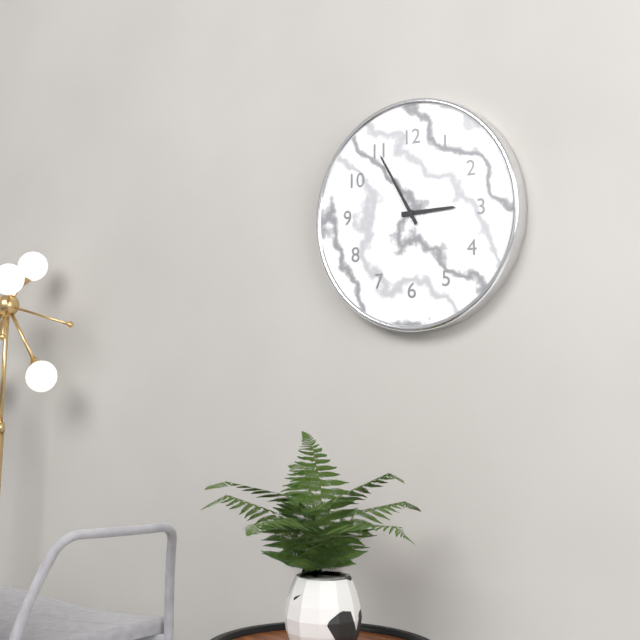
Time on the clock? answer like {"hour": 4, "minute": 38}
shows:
{"hour": 2, "minute": 55}
